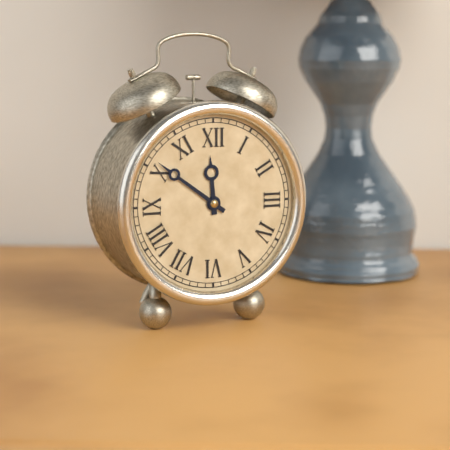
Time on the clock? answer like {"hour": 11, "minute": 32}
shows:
{"hour": 11, "minute": 51}
